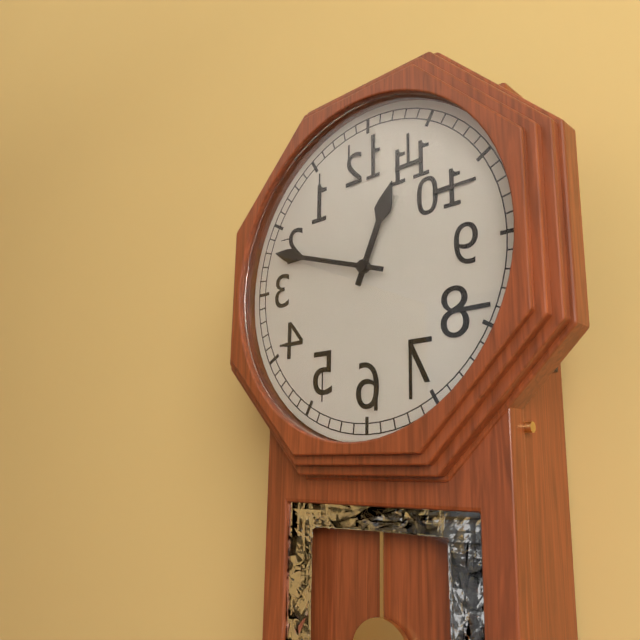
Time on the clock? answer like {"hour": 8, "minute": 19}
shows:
{"hour": 12, "minute": 48}
